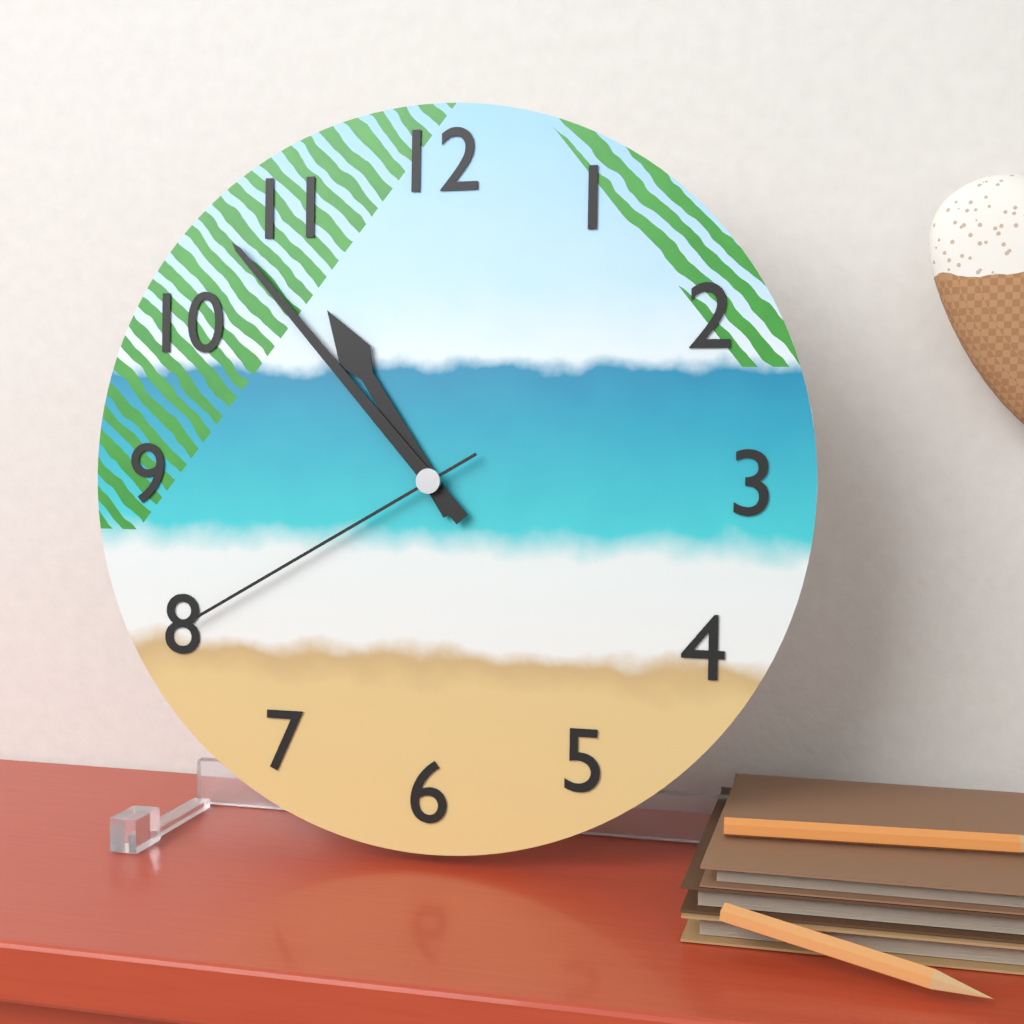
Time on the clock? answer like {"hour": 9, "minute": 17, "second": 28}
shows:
{"hour": 10, "minute": 53, "second": 40}
